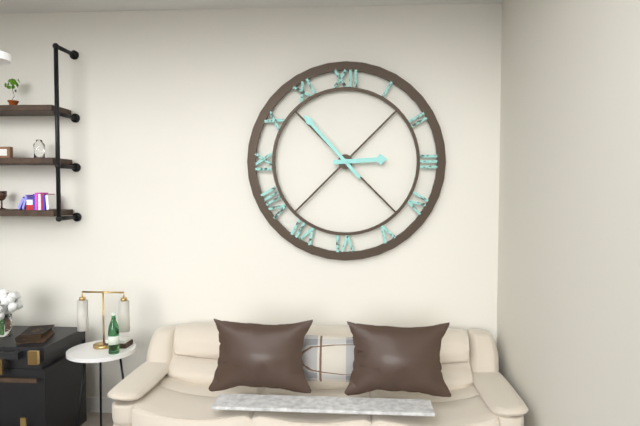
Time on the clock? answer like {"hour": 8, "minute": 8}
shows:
{"hour": 2, "minute": 53}
